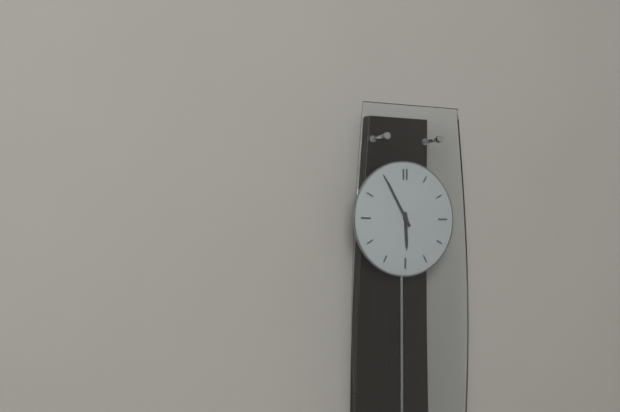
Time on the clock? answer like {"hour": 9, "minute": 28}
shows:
{"hour": 5, "minute": 55}
